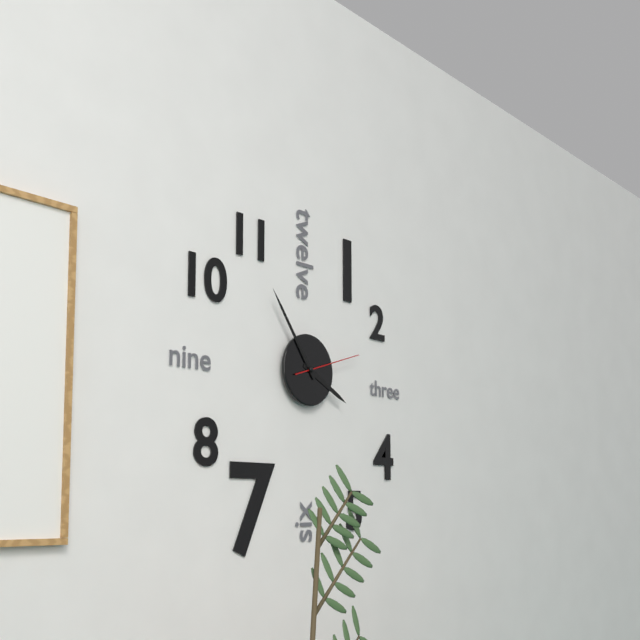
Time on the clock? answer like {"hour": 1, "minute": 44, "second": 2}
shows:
{"hour": 3, "minute": 54, "second": 12}
